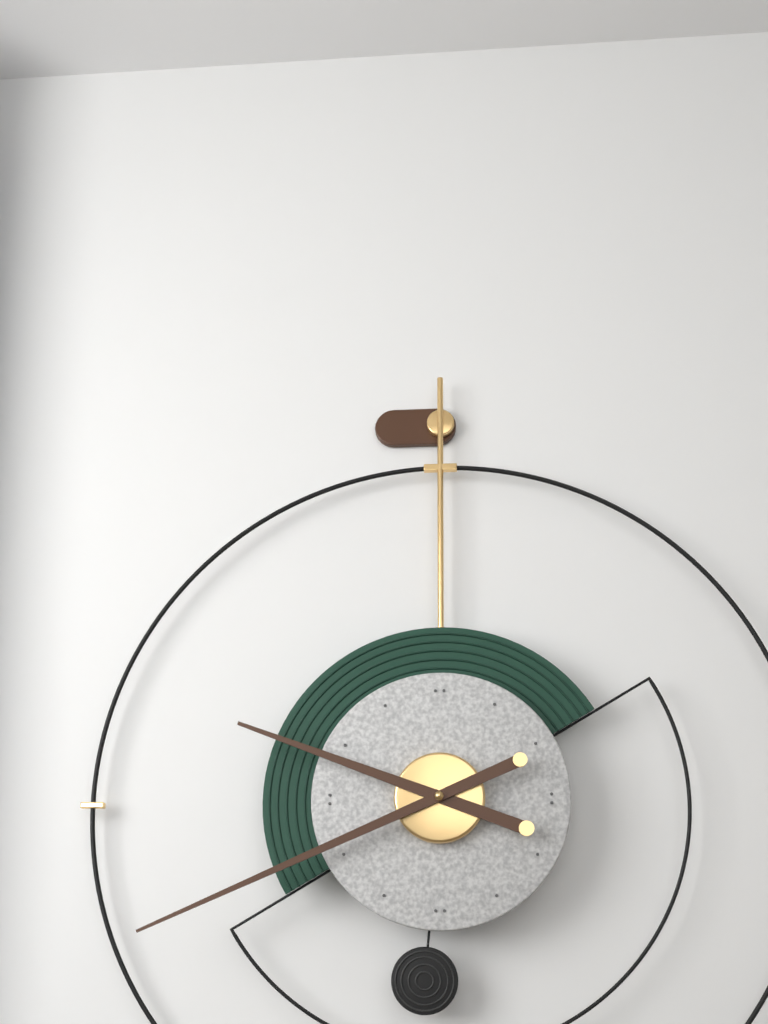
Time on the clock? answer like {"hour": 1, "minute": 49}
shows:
{"hour": 9, "minute": 41}
